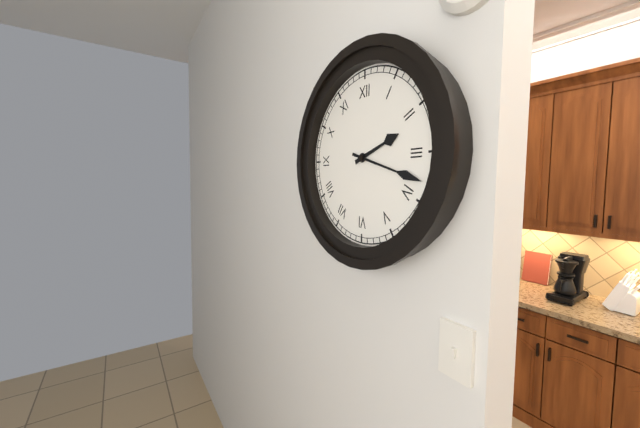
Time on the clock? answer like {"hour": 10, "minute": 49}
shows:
{"hour": 2, "minute": 18}
